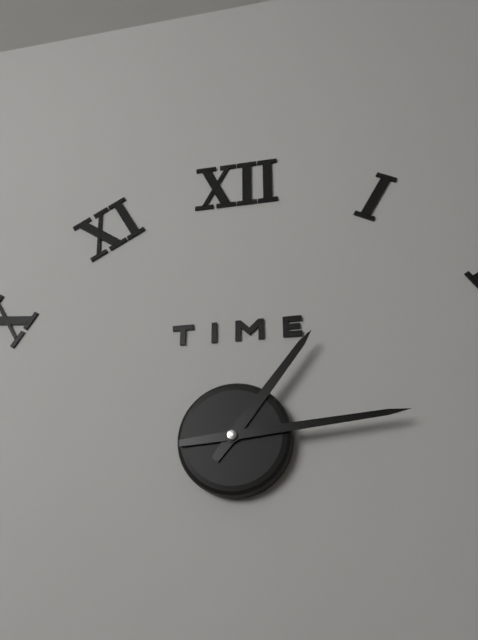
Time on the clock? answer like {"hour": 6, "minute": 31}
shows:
{"hour": 1, "minute": 14}
